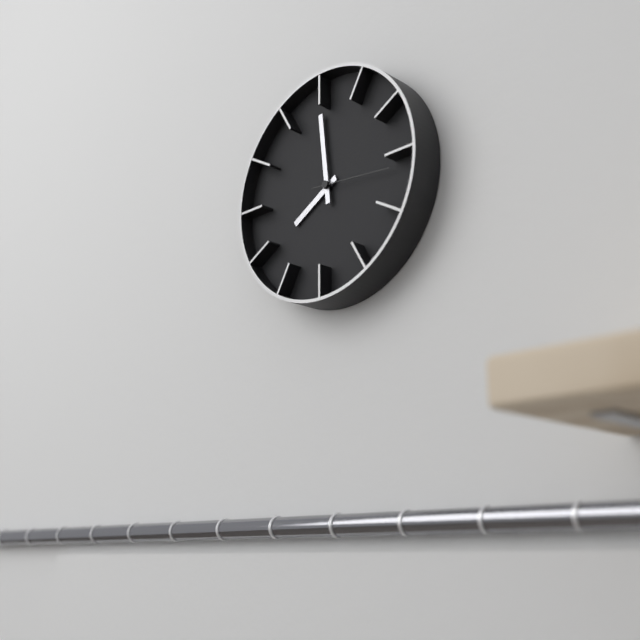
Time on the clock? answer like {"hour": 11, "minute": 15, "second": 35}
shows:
{"hour": 7, "minute": 59, "second": 16}
